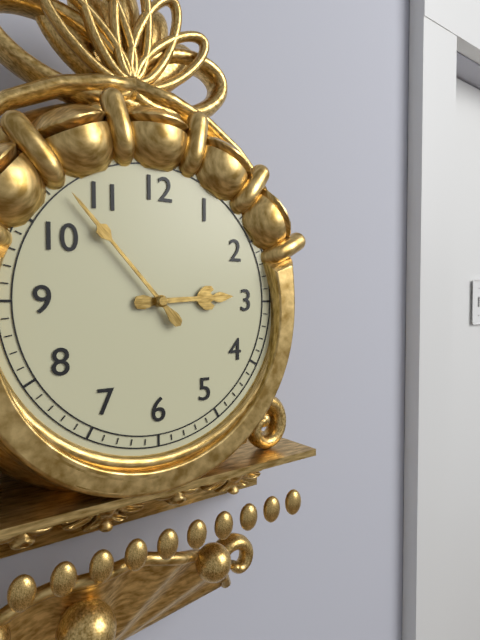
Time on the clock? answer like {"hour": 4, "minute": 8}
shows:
{"hour": 2, "minute": 53}
